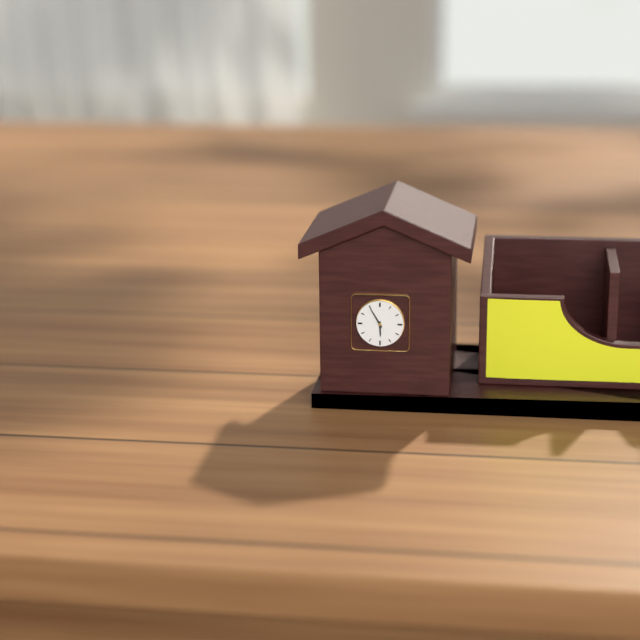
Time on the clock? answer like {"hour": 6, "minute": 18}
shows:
{"hour": 5, "minute": 55}
